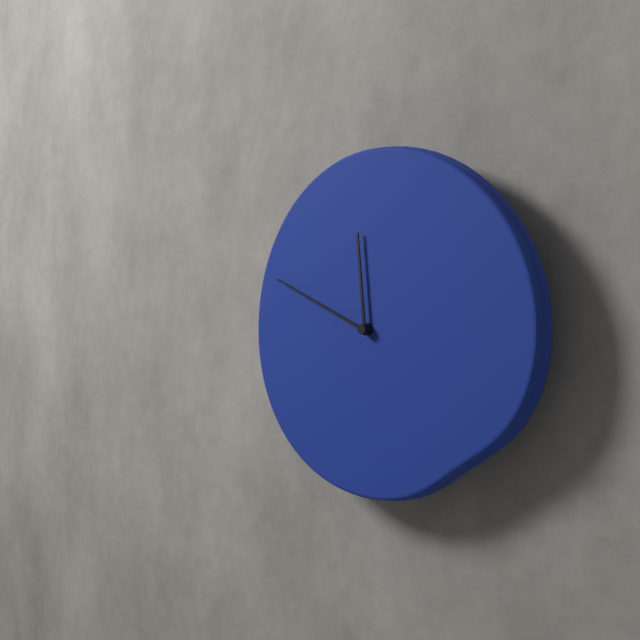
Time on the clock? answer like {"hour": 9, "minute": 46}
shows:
{"hour": 11, "minute": 49}
